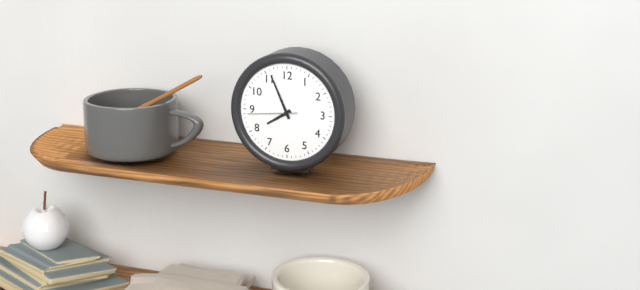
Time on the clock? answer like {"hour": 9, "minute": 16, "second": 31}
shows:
{"hour": 7, "minute": 56, "second": 44}
